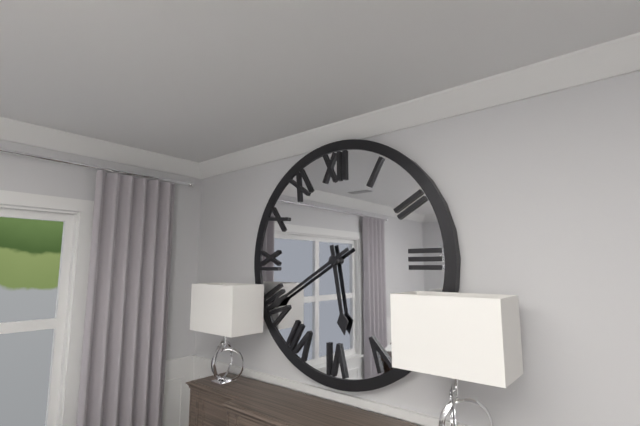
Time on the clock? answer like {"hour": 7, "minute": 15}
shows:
{"hour": 5, "minute": 40}
